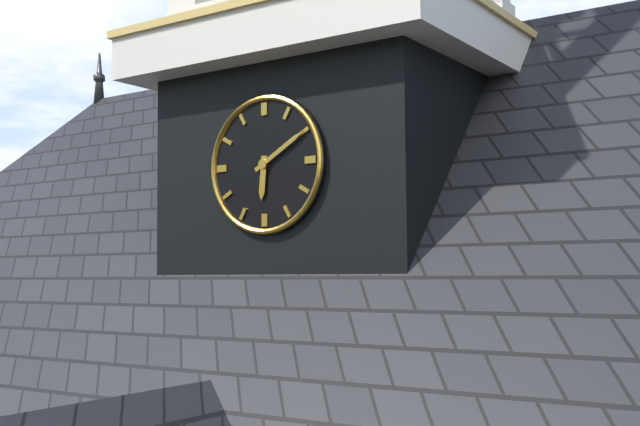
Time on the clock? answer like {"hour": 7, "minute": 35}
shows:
{"hour": 6, "minute": 10}
